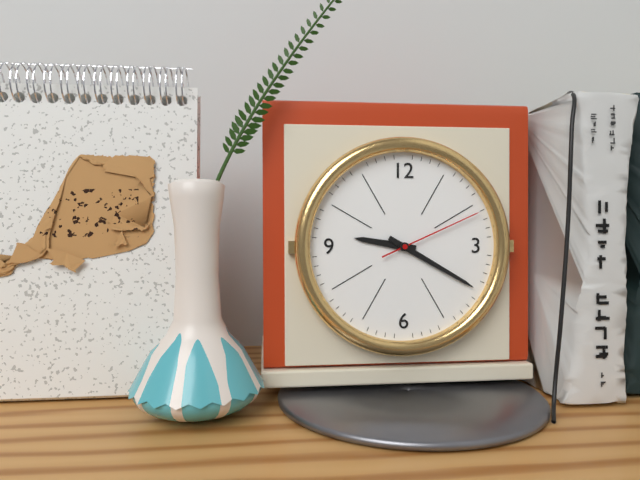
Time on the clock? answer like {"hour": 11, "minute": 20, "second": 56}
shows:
{"hour": 9, "minute": 20, "second": 11}
